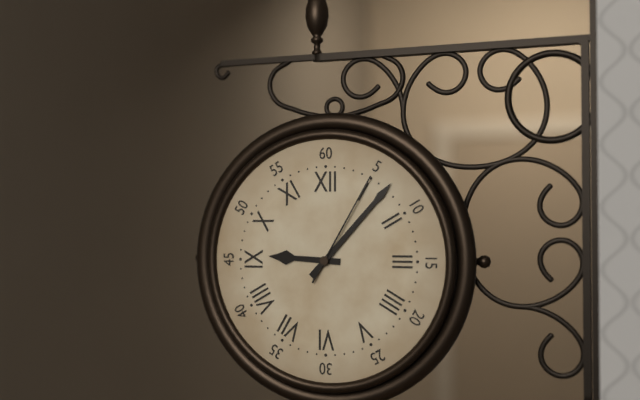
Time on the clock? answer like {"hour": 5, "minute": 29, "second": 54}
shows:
{"hour": 9, "minute": 7, "second": 5}
